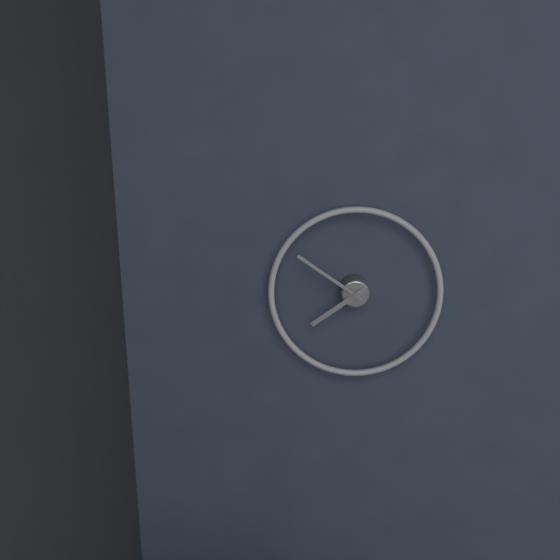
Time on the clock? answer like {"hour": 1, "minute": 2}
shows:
{"hour": 7, "minute": 51}
